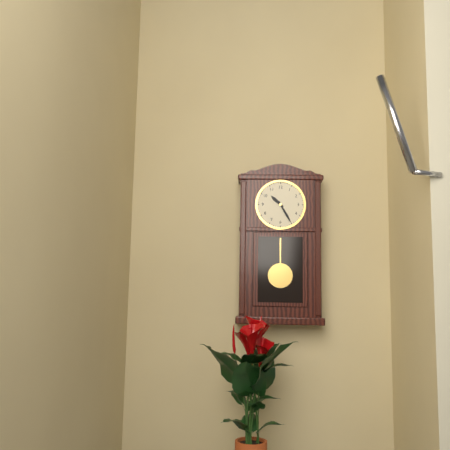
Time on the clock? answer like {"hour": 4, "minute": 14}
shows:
{"hour": 10, "minute": 25}
